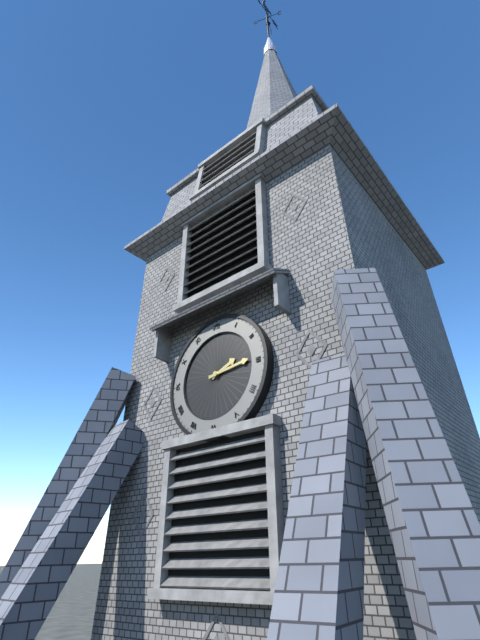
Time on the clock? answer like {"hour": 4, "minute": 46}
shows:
{"hour": 2, "minute": 14}
